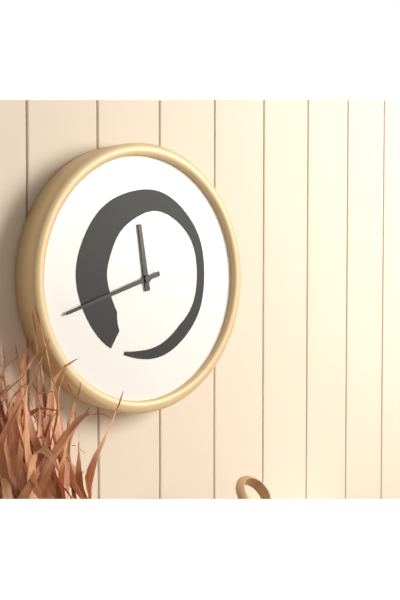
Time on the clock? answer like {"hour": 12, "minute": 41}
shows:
{"hour": 11, "minute": 42}
